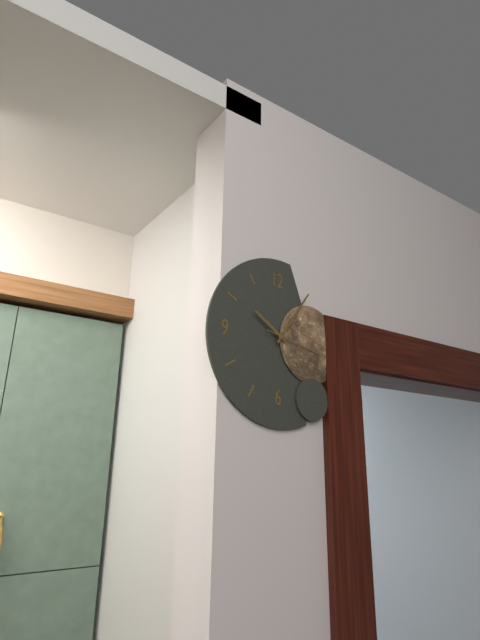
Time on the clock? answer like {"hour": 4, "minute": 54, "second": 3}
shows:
{"hour": 10, "minute": 6, "second": 17}
